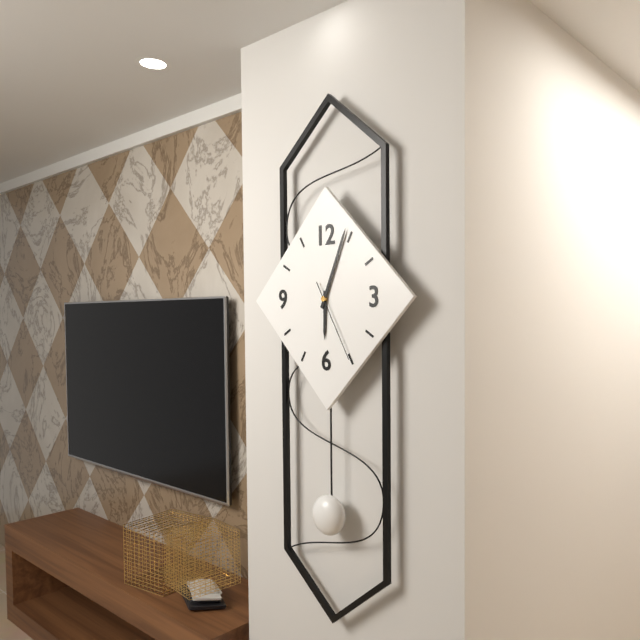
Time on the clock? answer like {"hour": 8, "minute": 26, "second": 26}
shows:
{"hour": 6, "minute": 4, "second": 25}
